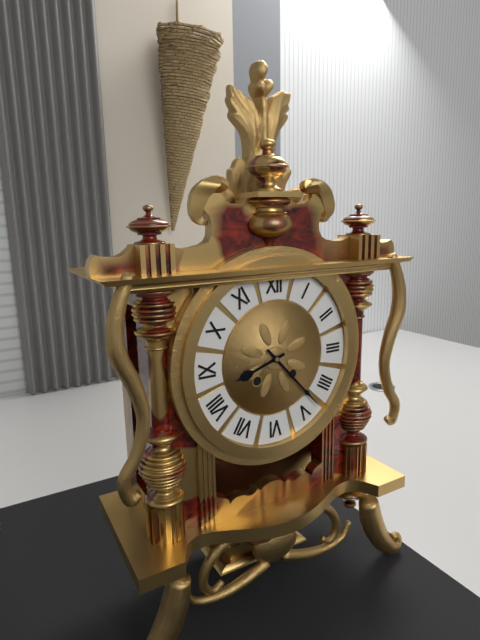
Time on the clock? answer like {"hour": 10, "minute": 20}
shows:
{"hour": 8, "minute": 23}
